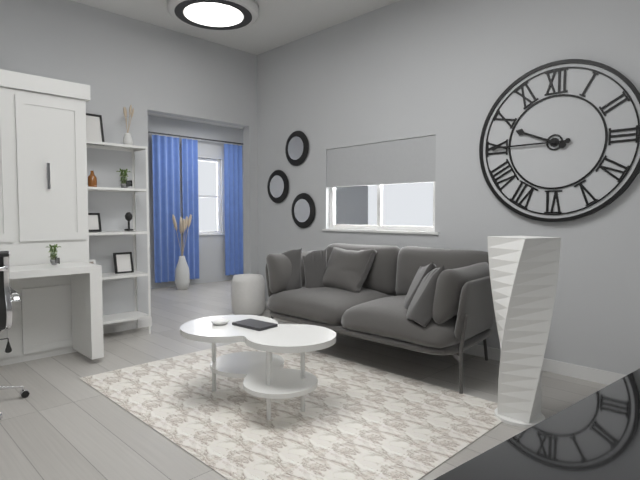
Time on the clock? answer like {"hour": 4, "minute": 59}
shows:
{"hour": 9, "minute": 45}
